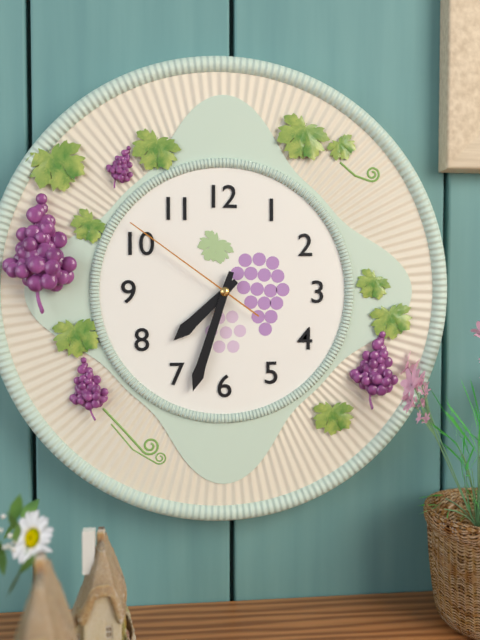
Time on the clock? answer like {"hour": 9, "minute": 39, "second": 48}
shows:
{"hour": 7, "minute": 33, "second": 51}
